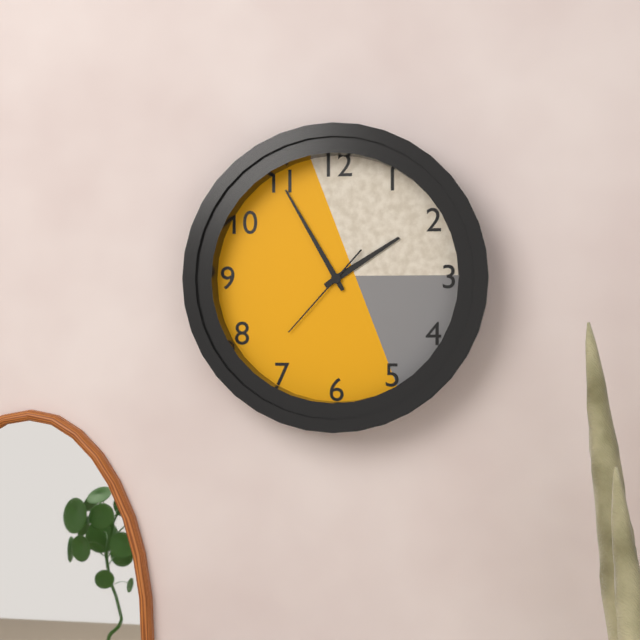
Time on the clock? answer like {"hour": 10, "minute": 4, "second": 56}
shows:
{"hour": 1, "minute": 55, "second": 37}
